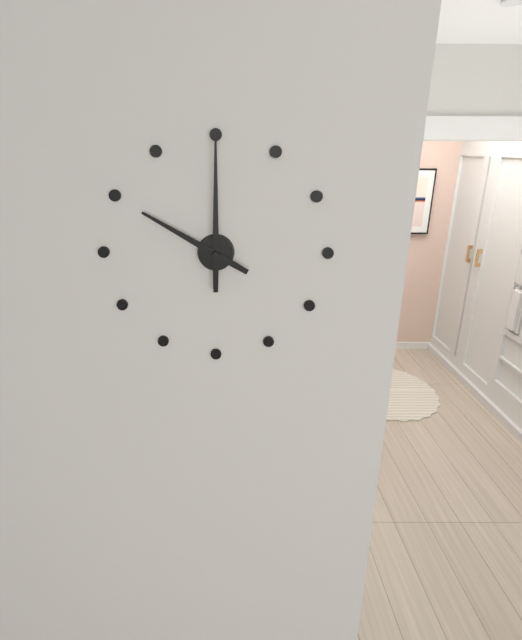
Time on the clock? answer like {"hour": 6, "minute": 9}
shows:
{"hour": 10, "minute": 0}
